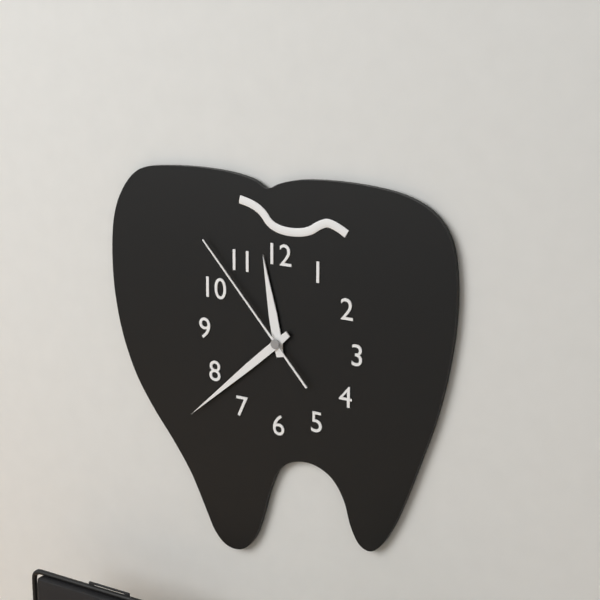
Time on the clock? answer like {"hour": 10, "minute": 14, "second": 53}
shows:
{"hour": 11, "minute": 38, "second": 53}
